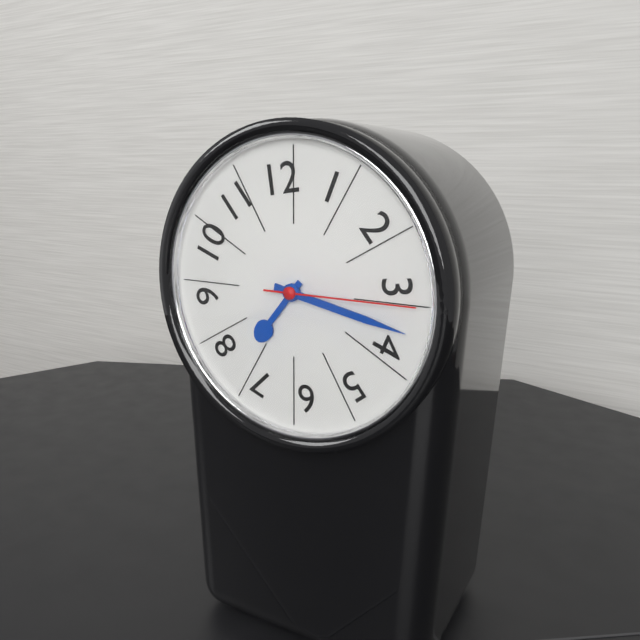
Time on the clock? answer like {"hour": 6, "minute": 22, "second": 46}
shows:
{"hour": 7, "minute": 17, "second": 15}
